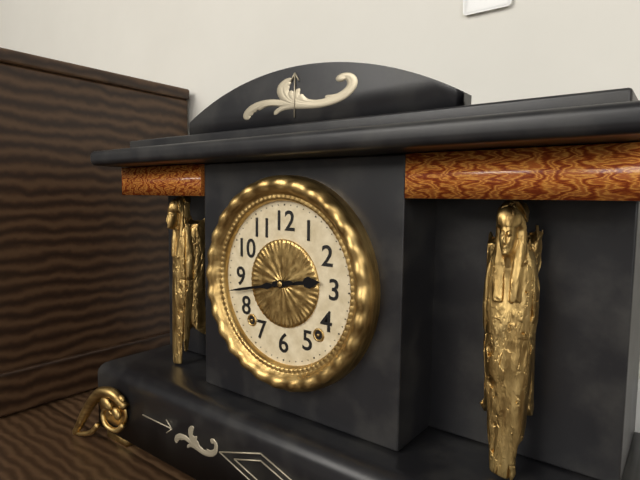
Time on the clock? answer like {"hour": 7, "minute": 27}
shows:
{"hour": 2, "minute": 43}
